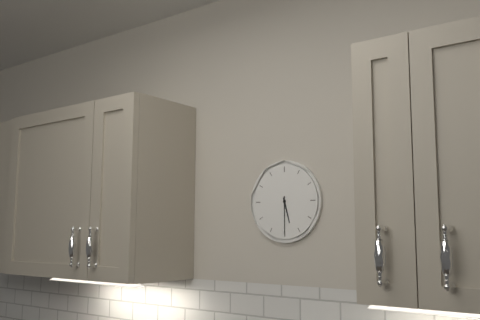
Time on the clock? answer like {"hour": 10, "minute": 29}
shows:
{"hour": 5, "minute": 30}
